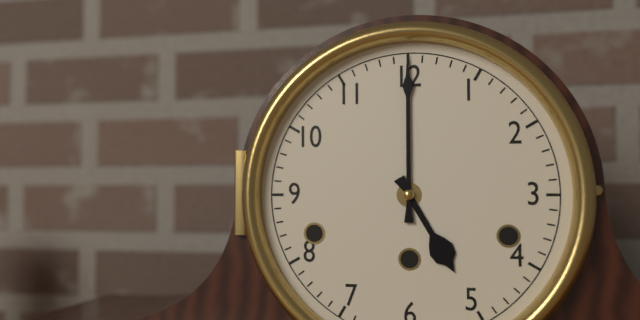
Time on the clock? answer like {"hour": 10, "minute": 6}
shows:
{"hour": 5, "minute": 0}
